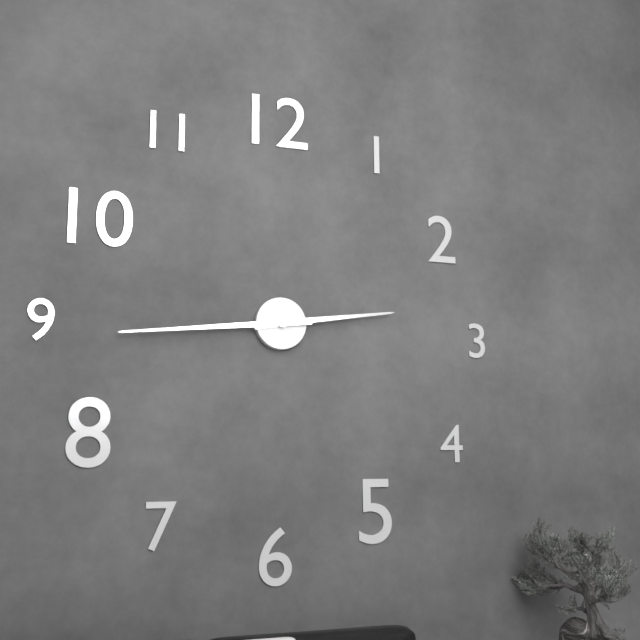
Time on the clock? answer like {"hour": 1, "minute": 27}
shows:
{"hour": 2, "minute": 44}
